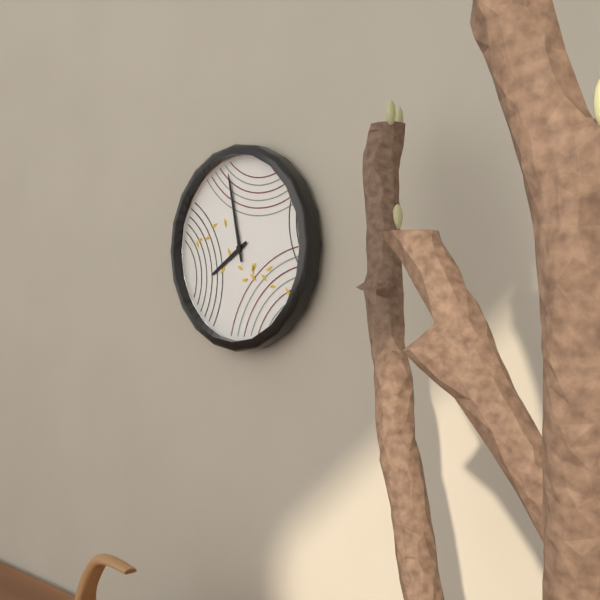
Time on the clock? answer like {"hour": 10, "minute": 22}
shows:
{"hour": 7, "minute": 58}
